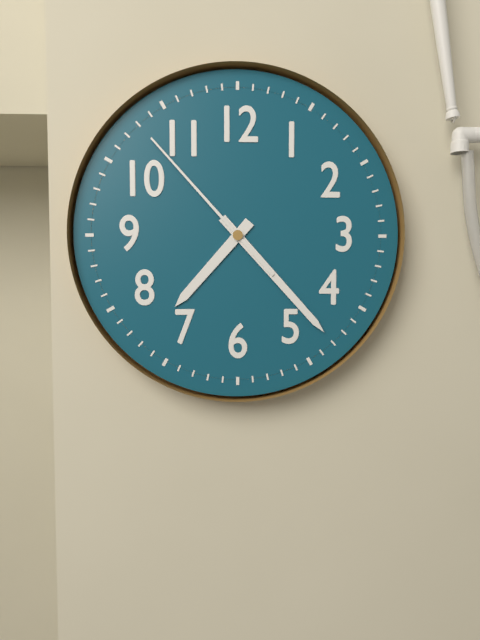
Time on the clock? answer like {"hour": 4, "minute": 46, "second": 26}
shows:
{"hour": 7, "minute": 23, "second": 53}
